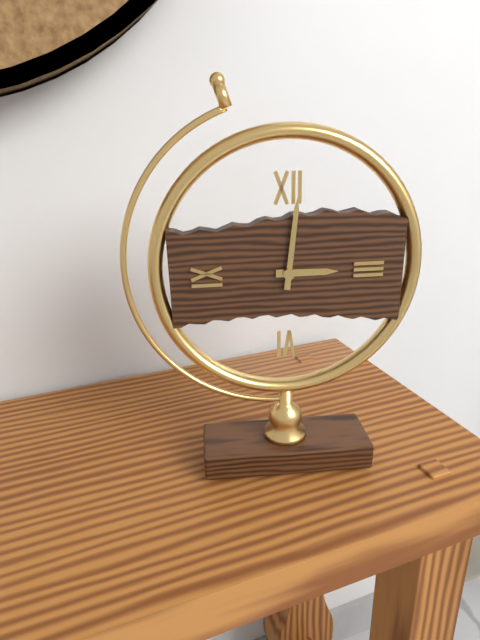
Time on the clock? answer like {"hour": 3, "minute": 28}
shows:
{"hour": 3, "minute": 1}
